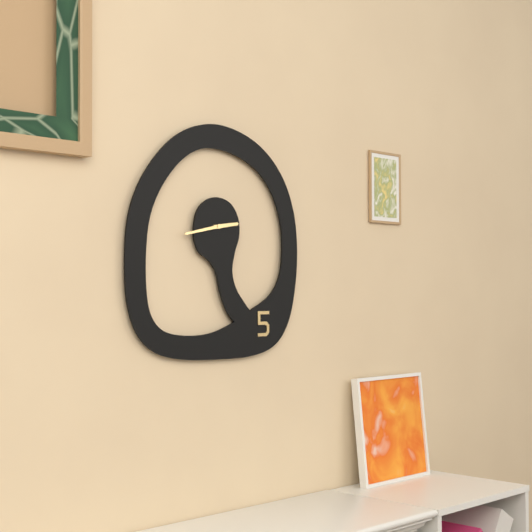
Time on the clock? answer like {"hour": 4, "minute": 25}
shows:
{"hour": 2, "minute": 43}
